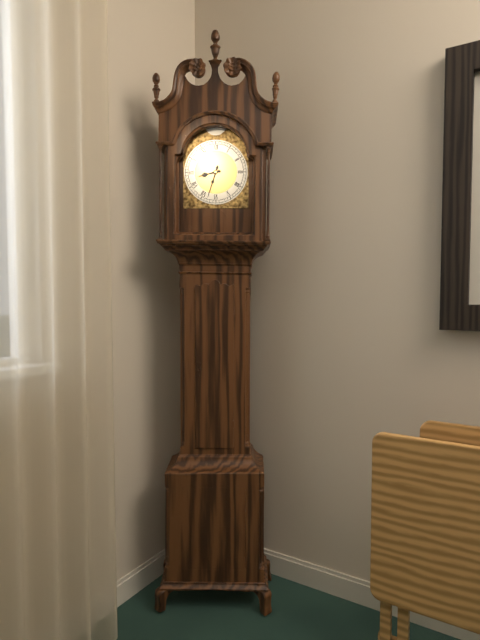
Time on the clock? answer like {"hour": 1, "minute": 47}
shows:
{"hour": 8, "minute": 33}
